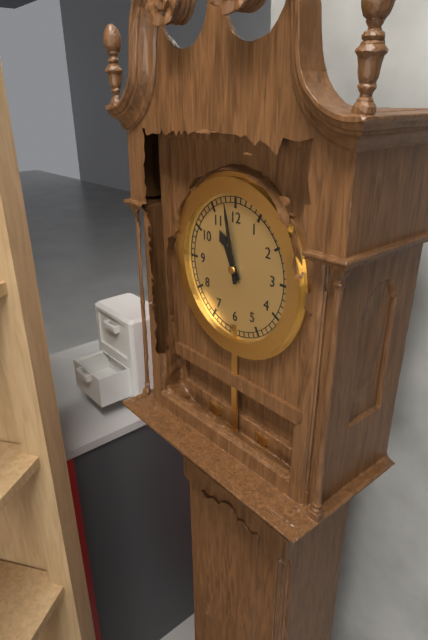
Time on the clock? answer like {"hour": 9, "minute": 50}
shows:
{"hour": 10, "minute": 58}
